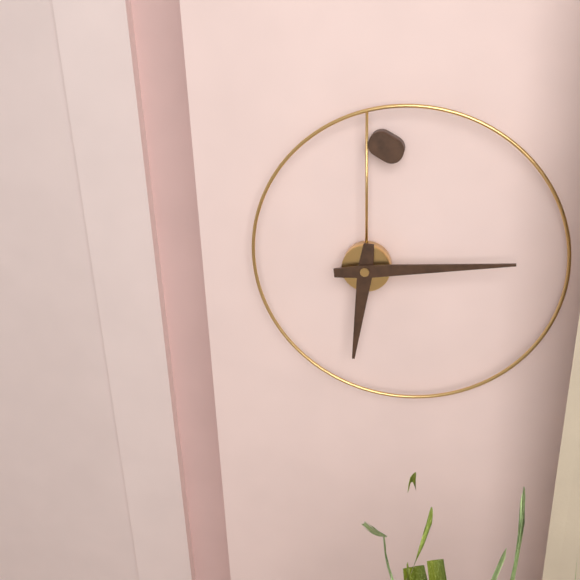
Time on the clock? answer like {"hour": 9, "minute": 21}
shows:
{"hour": 6, "minute": 14}
